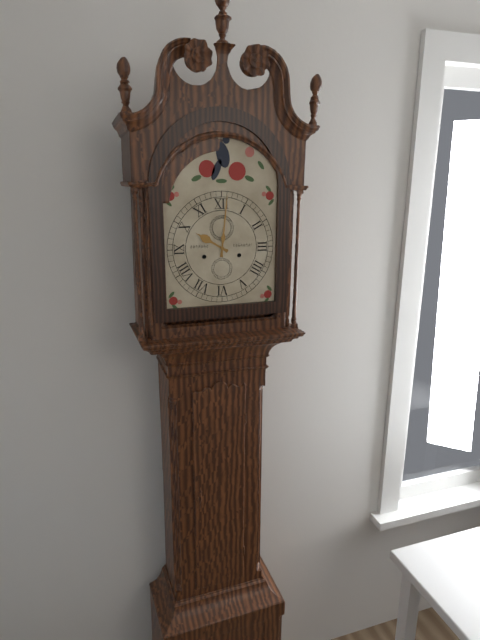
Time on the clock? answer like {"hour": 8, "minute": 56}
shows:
{"hour": 10, "minute": 1}
